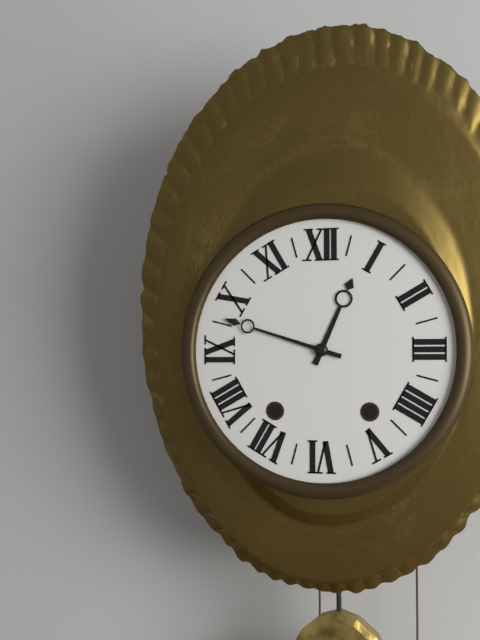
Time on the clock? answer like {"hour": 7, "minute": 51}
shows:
{"hour": 12, "minute": 48}
